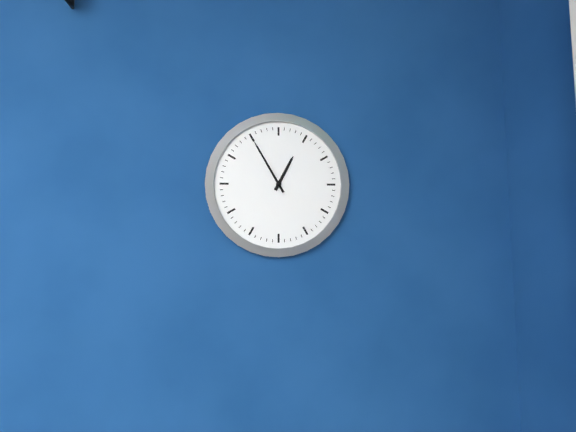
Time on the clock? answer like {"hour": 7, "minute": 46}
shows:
{"hour": 12, "minute": 55}
